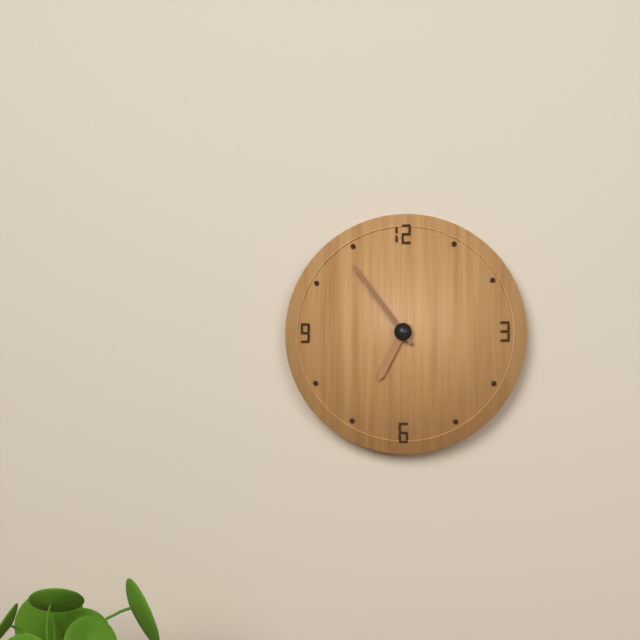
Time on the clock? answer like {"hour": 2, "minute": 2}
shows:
{"hour": 6, "minute": 54}
